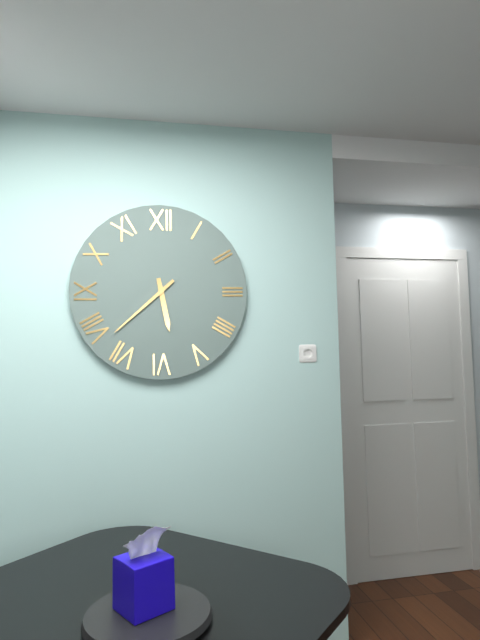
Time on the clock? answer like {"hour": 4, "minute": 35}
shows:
{"hour": 5, "minute": 38}
